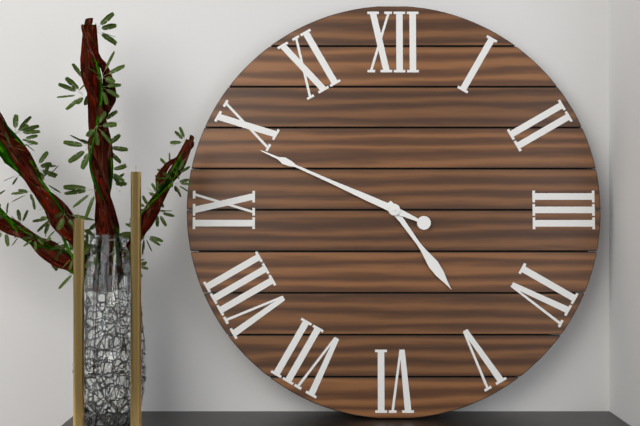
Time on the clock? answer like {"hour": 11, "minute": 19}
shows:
{"hour": 4, "minute": 49}
